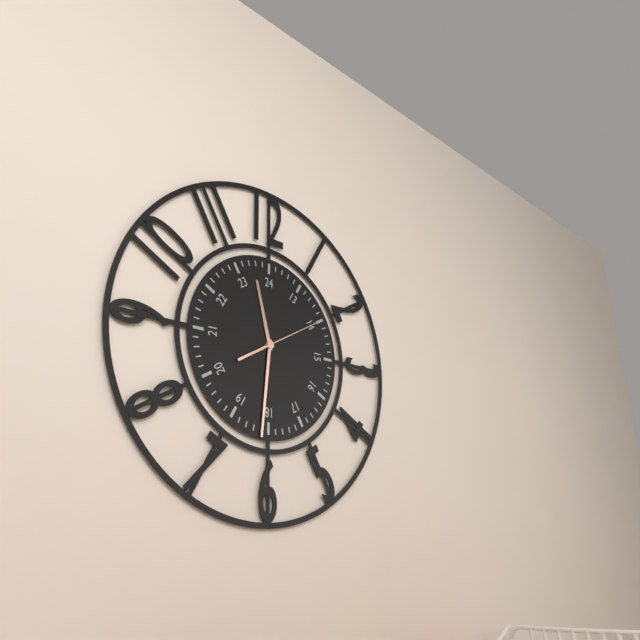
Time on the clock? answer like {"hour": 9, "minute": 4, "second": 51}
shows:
{"hour": 11, "minute": 31, "second": 10}
